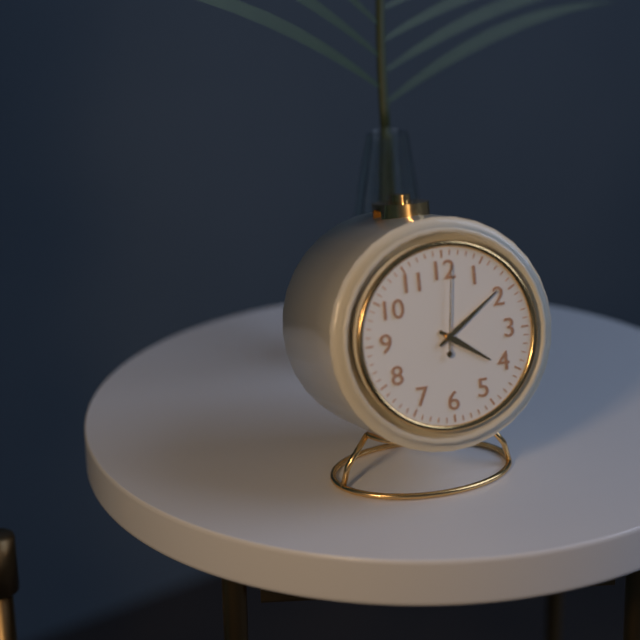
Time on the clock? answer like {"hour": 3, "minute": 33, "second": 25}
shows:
{"hour": 4, "minute": 9, "second": 1}
